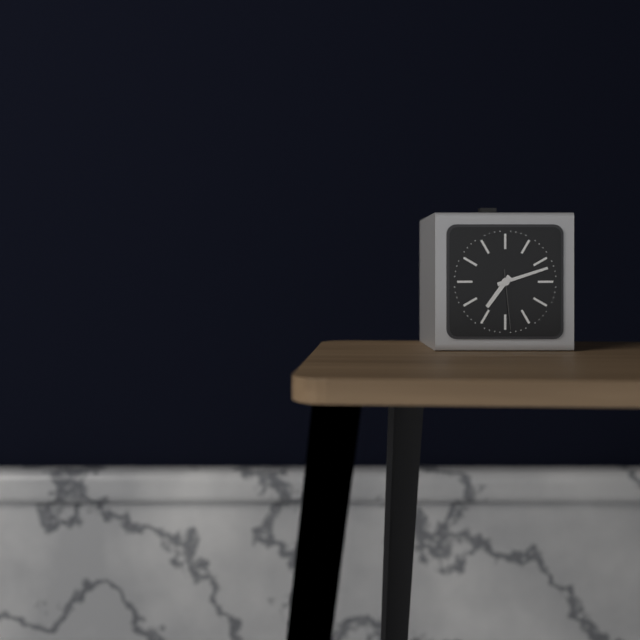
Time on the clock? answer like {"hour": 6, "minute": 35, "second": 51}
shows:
{"hour": 7, "minute": 12, "second": 29}
